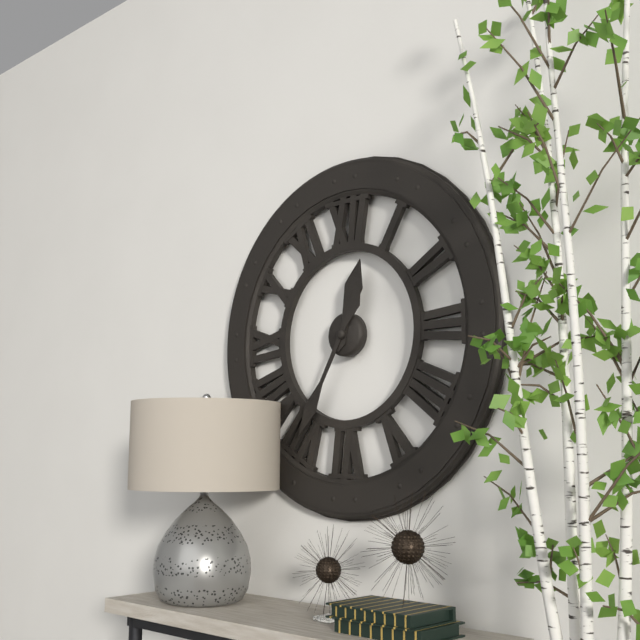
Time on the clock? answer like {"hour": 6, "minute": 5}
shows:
{"hour": 12, "minute": 35}
